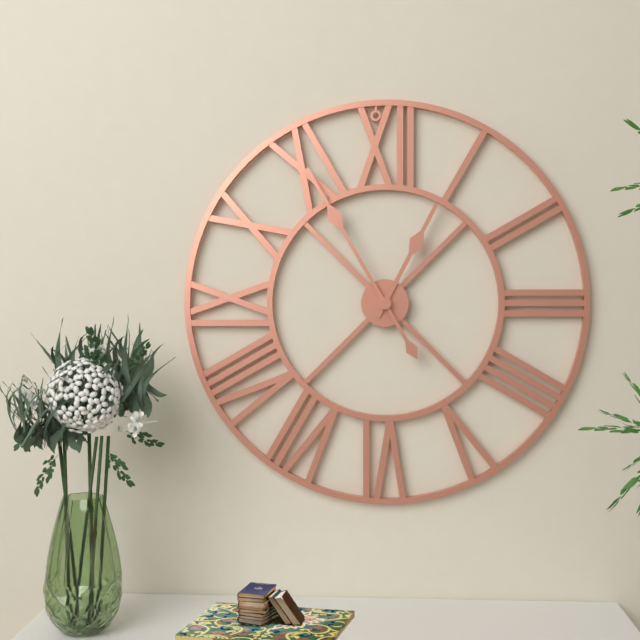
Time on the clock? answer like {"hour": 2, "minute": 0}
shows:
{"hour": 12, "minute": 55}
